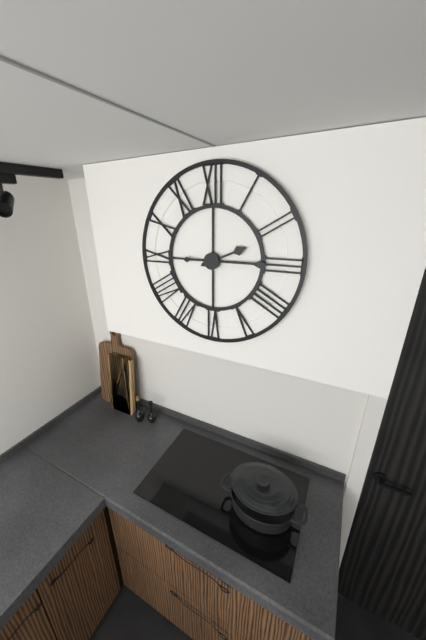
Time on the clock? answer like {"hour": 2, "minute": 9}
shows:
{"hour": 2, "minute": 15}
